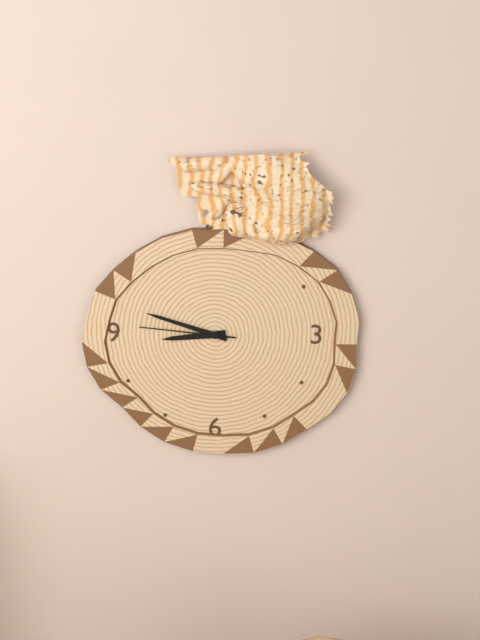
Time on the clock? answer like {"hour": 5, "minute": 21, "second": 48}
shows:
{"hour": 8, "minute": 48, "second": 46}
